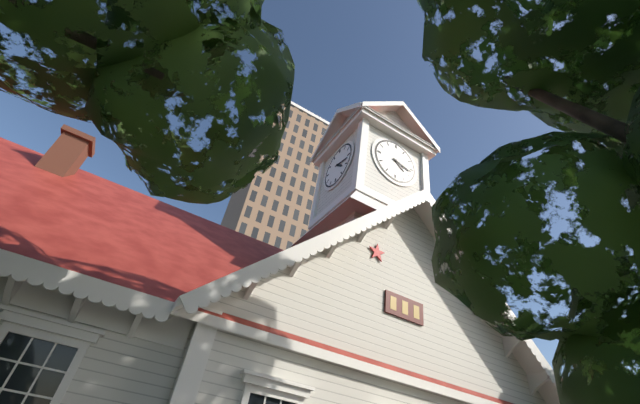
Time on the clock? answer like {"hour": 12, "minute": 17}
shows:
{"hour": 4, "minute": 17}
